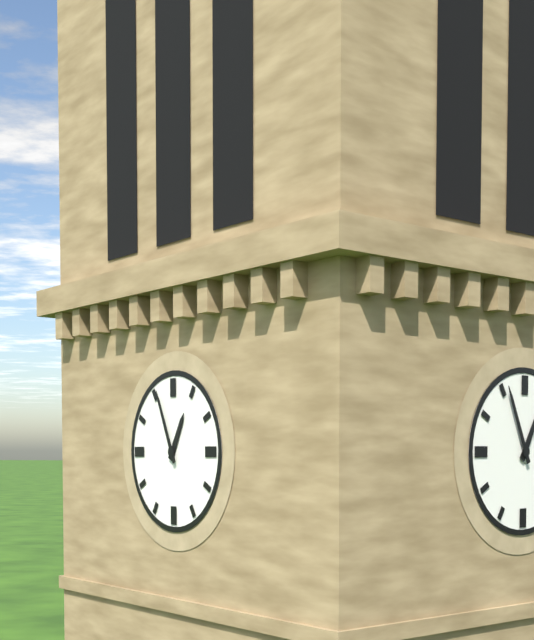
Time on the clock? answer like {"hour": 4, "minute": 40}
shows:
{"hour": 12, "minute": 56}
